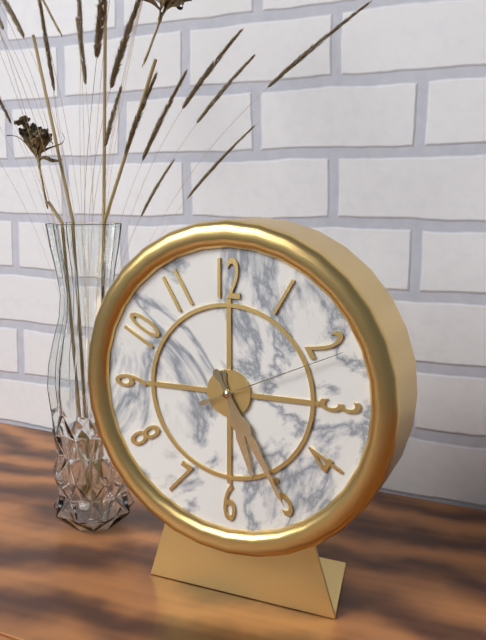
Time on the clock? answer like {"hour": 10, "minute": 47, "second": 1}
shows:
{"hour": 5, "minute": 25, "second": 11}
